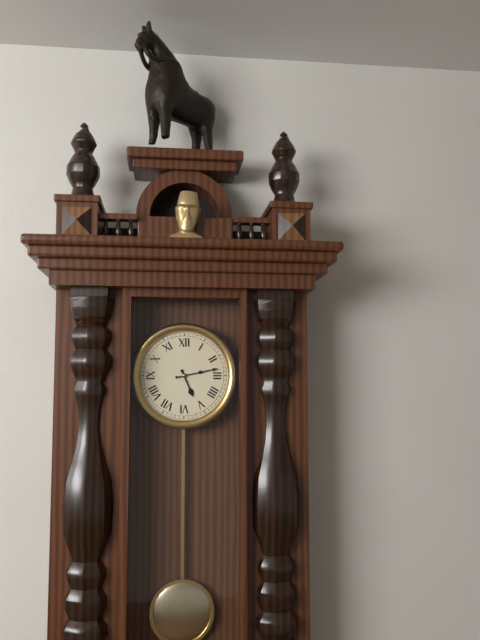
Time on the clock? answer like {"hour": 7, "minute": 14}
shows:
{"hour": 5, "minute": 13}
